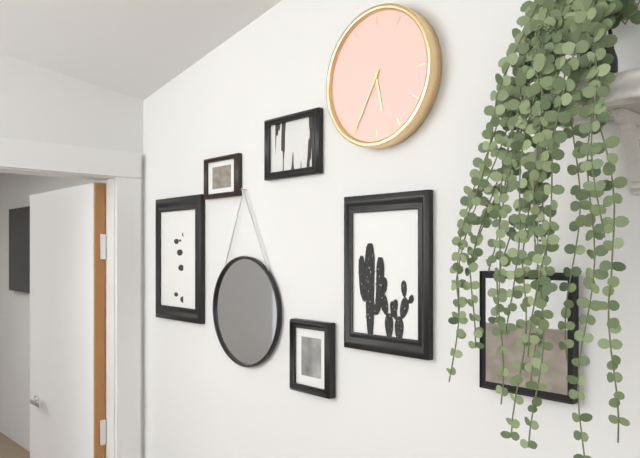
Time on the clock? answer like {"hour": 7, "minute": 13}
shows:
{"hour": 5, "minute": 35}
